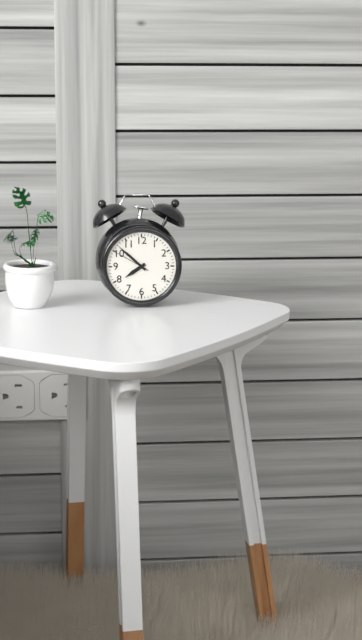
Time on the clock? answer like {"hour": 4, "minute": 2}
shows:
{"hour": 7, "minute": 52}
